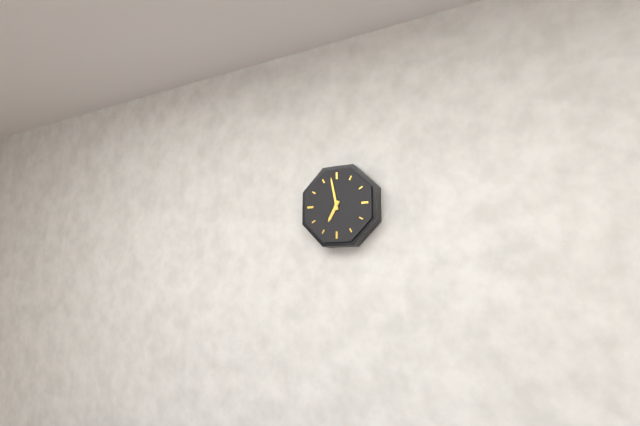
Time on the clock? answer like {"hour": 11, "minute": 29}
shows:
{"hour": 6, "minute": 58}
